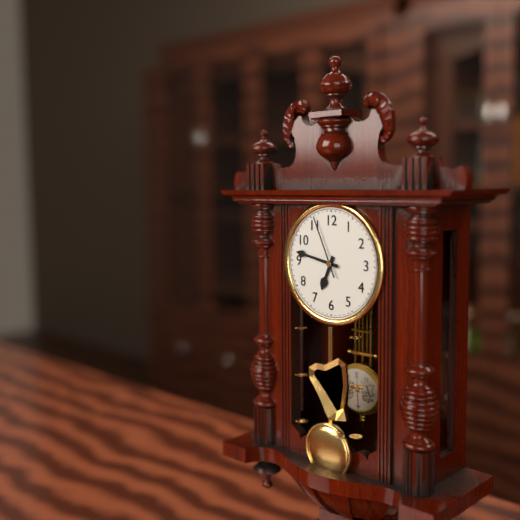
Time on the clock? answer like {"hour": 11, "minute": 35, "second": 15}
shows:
{"hour": 6, "minute": 47, "second": 56}
